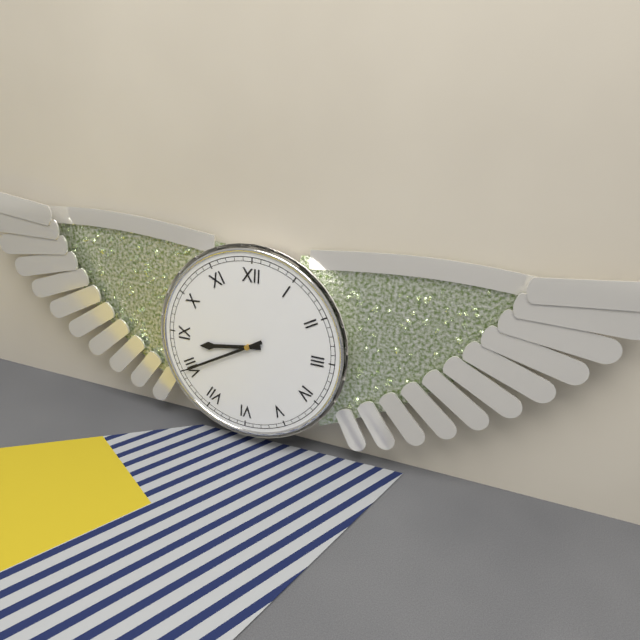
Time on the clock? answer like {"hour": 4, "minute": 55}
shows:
{"hour": 8, "minute": 40}
